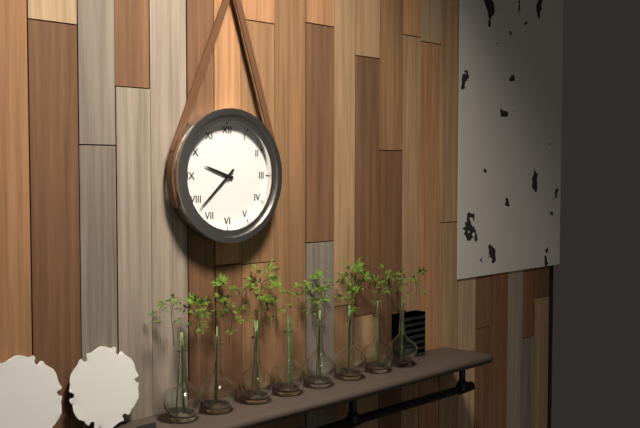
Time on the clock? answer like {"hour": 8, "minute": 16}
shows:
{"hour": 9, "minute": 38}
